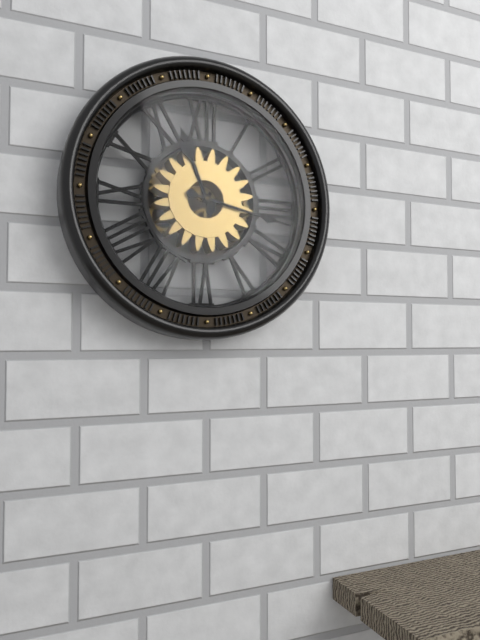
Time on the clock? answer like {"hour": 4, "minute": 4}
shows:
{"hour": 11, "minute": 17}
